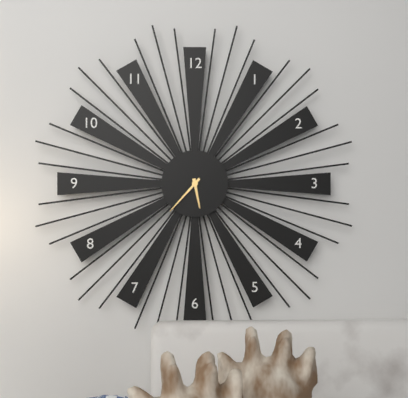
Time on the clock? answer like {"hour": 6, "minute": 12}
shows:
{"hour": 5, "minute": 37}
